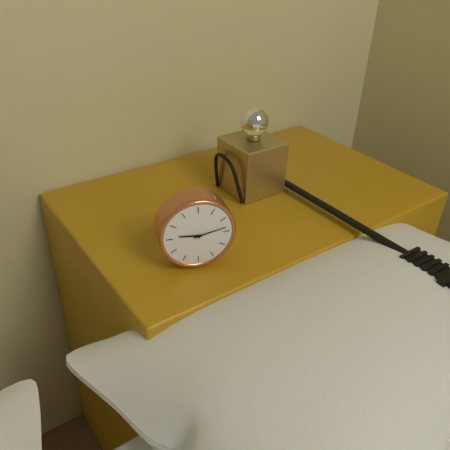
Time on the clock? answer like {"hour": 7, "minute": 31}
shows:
{"hour": 9, "minute": 13}
